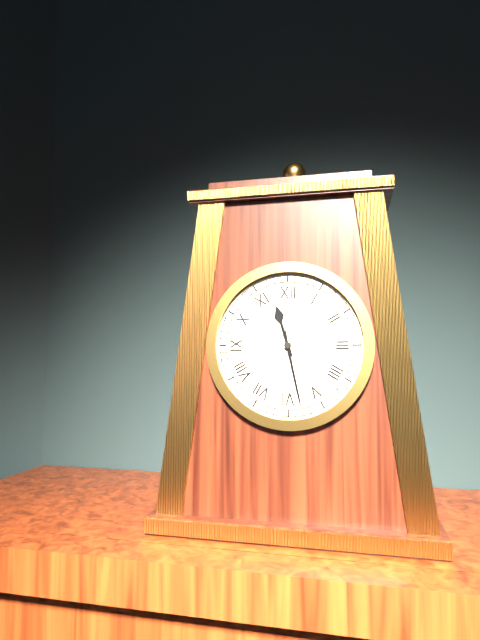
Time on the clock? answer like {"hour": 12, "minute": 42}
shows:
{"hour": 11, "minute": 28}
